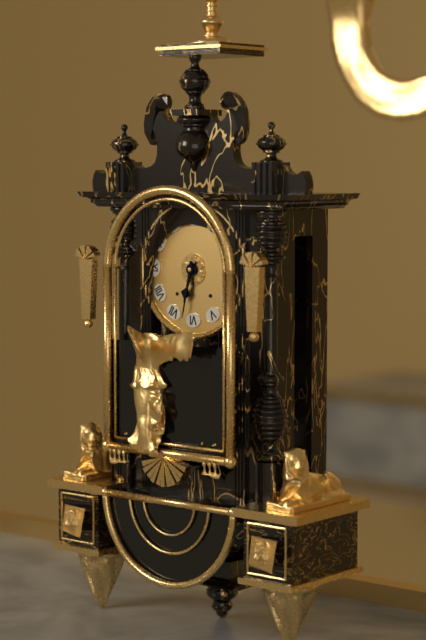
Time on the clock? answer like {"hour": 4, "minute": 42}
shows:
{"hour": 6, "minute": 32}
